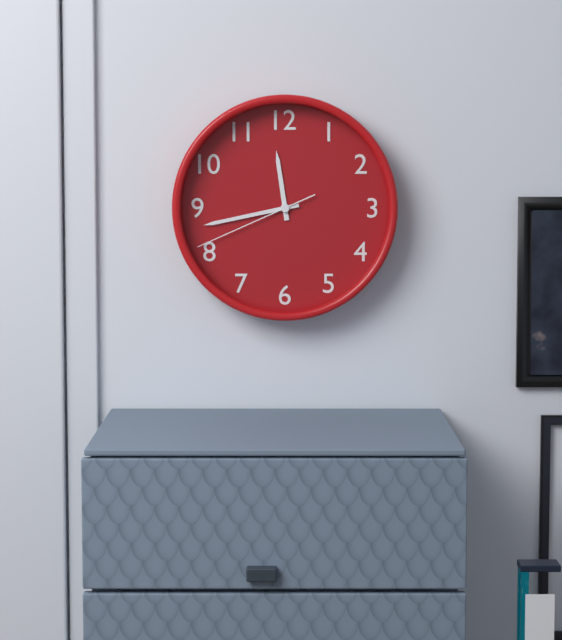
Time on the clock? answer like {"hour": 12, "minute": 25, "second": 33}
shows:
{"hour": 11, "minute": 43, "second": 41}
